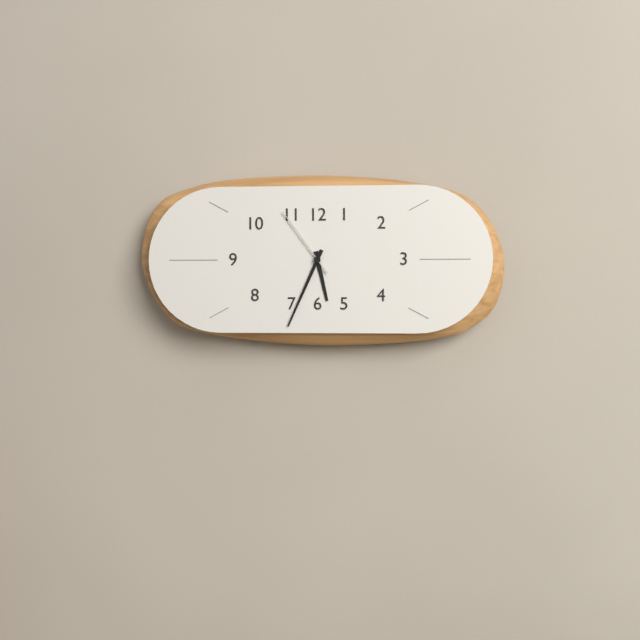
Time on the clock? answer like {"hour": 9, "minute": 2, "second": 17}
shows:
{"hour": 5, "minute": 34, "second": 54}
